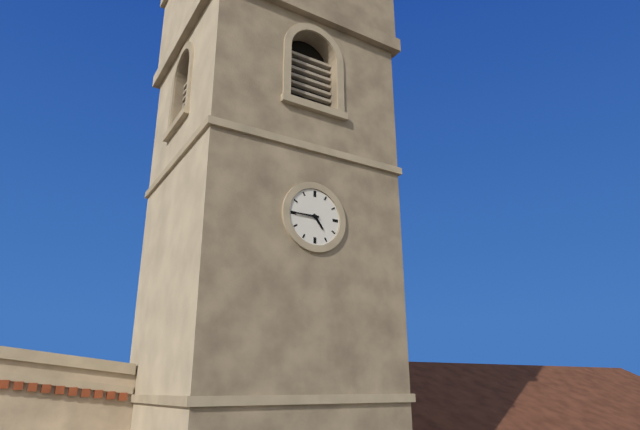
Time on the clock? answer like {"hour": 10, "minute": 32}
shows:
{"hour": 4, "minute": 45}
